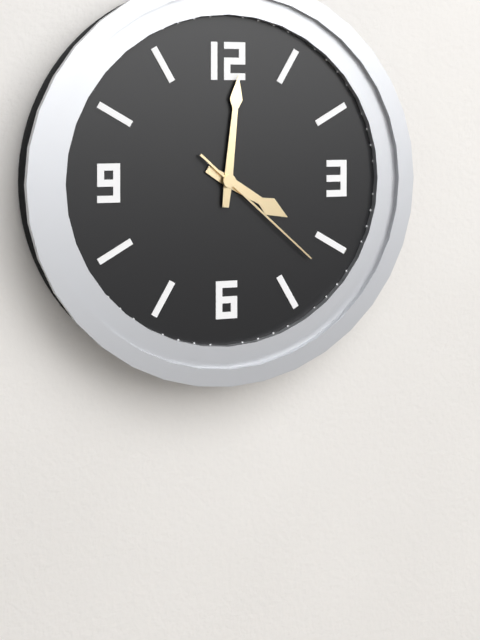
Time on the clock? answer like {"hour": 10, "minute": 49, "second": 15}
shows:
{"hour": 4, "minute": 1, "second": 22}
